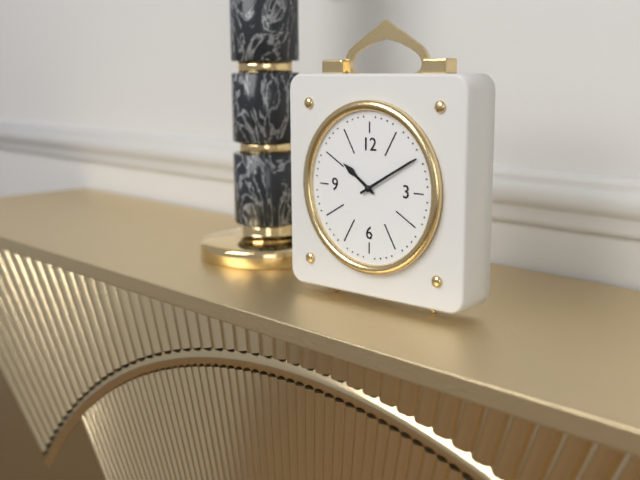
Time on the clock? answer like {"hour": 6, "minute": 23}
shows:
{"hour": 10, "minute": 10}
